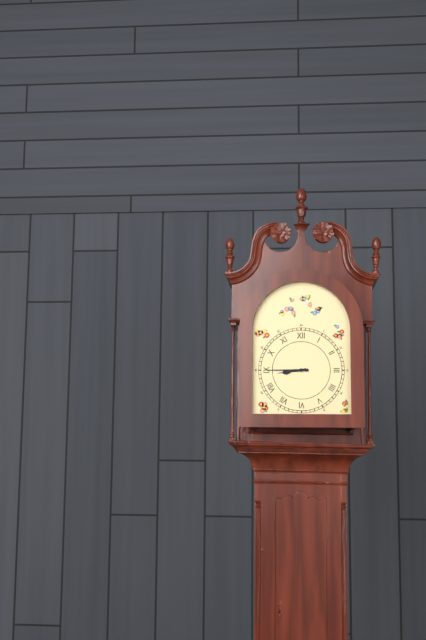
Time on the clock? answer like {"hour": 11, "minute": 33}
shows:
{"hour": 8, "minute": 45}
